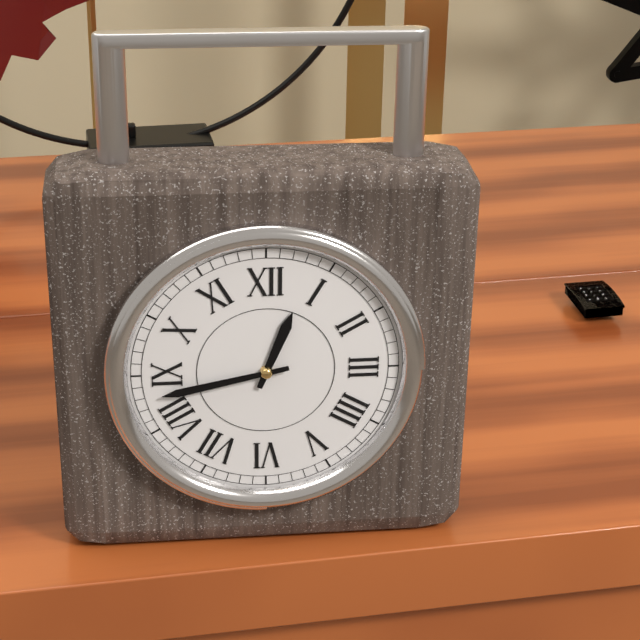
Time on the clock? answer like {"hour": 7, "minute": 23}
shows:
{"hour": 12, "minute": 43}
